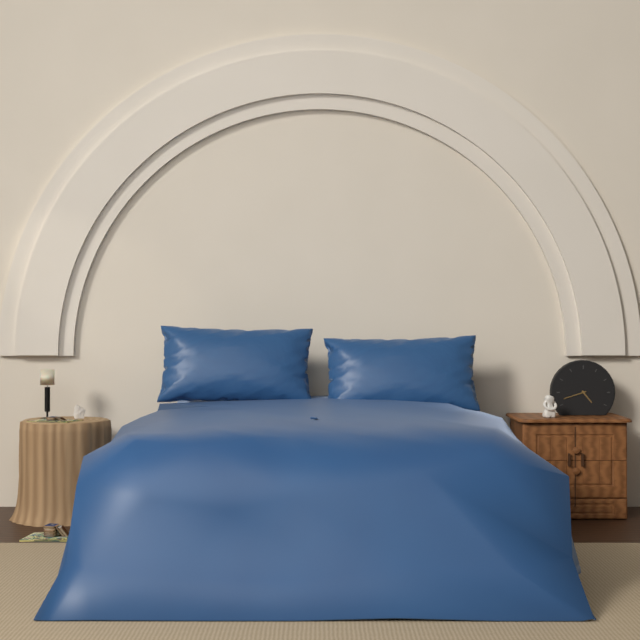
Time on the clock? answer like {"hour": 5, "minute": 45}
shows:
{"hour": 4, "minute": 42}
